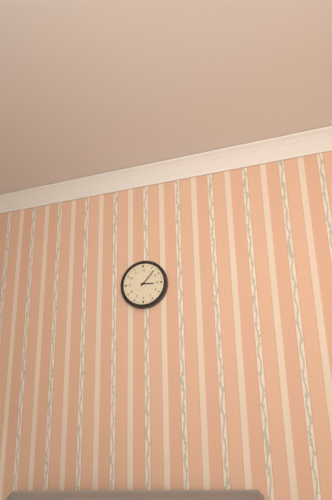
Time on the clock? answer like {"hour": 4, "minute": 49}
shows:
{"hour": 3, "minute": 7}
